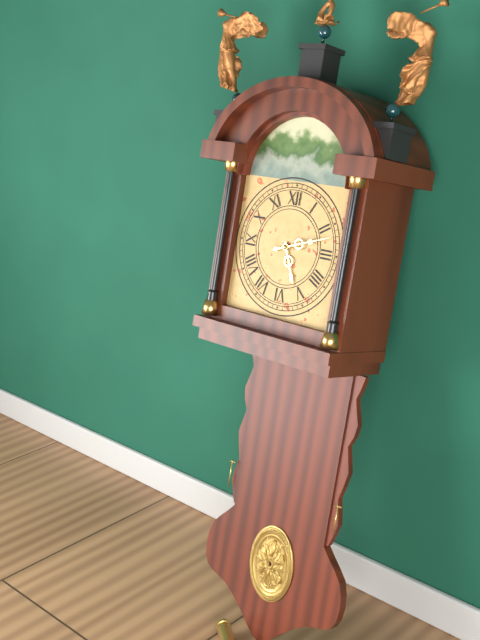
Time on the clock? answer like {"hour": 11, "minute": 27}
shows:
{"hour": 5, "minute": 12}
